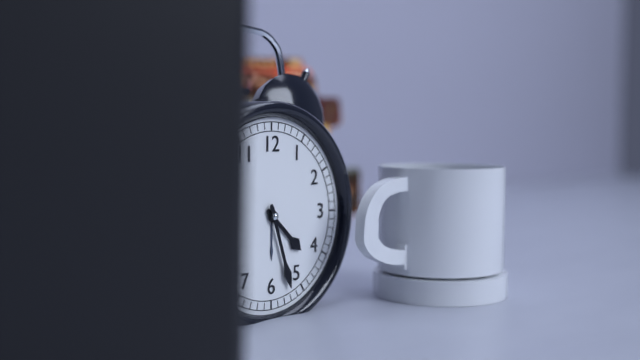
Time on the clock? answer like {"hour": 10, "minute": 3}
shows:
{"hour": 4, "minute": 27}
